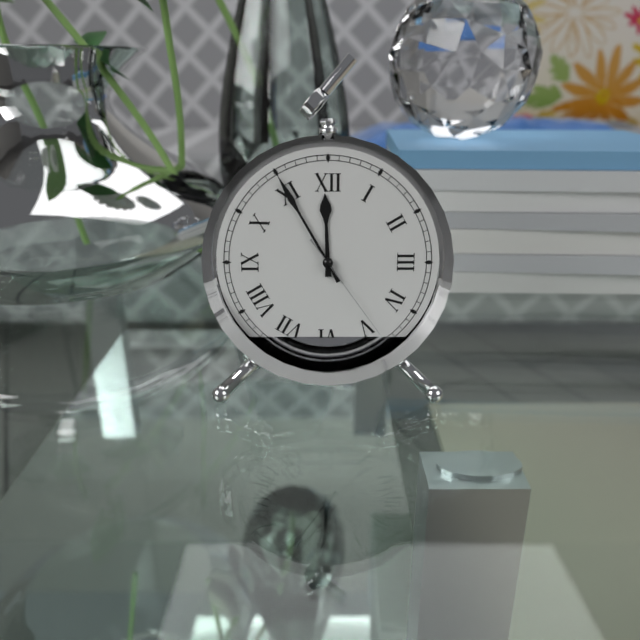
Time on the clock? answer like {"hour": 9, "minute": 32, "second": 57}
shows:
{"hour": 11, "minute": 55, "second": 24}
